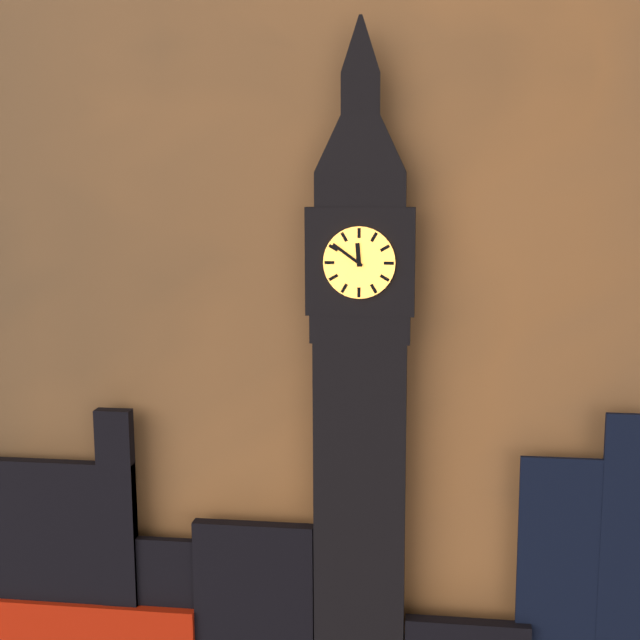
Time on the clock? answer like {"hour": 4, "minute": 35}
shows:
{"hour": 11, "minute": 51}
